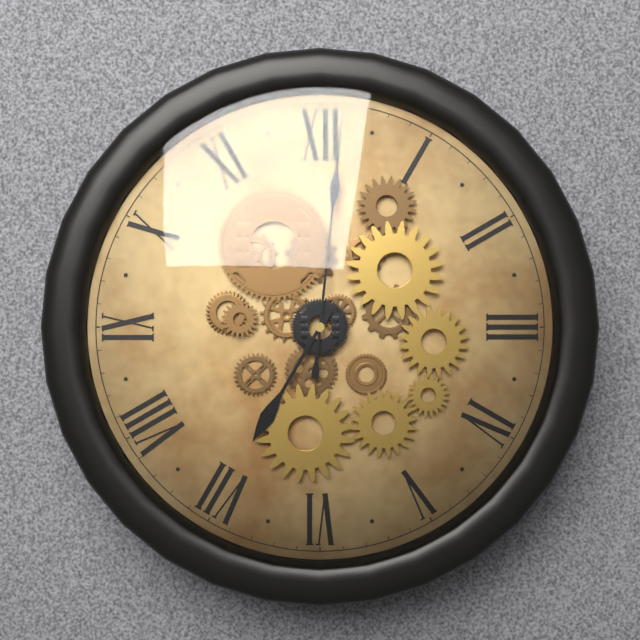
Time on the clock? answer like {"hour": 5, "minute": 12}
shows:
{"hour": 7, "minute": 1}
